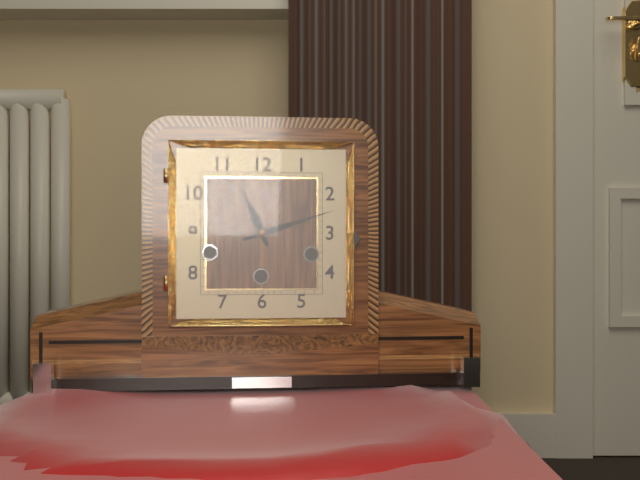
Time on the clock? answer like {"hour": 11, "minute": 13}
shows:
{"hour": 11, "minute": 12}
